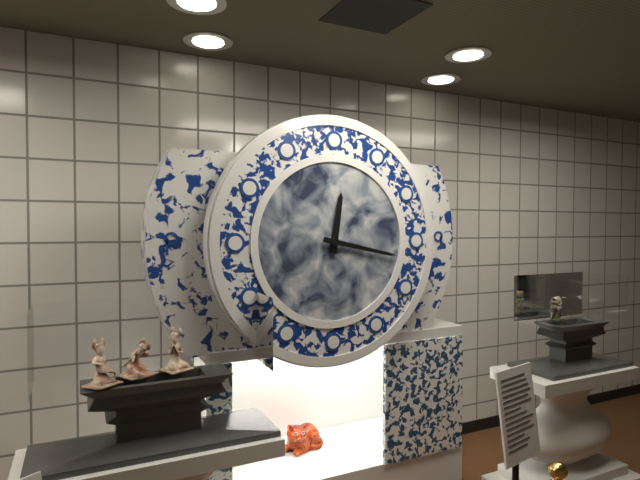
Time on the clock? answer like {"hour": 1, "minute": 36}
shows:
{"hour": 12, "minute": 17}
